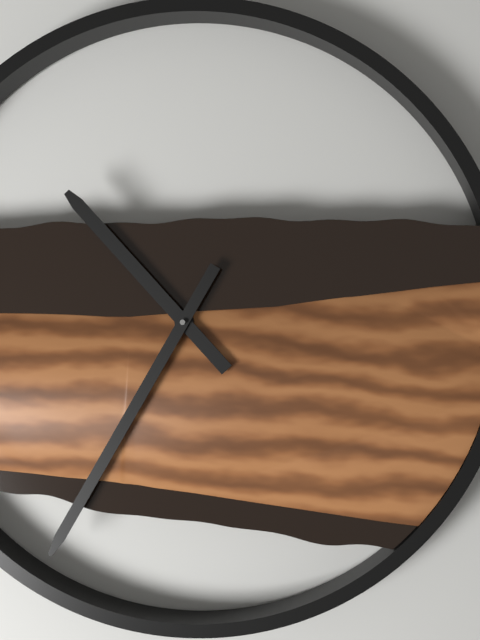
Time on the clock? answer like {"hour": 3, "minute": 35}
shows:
{"hour": 10, "minute": 35}
